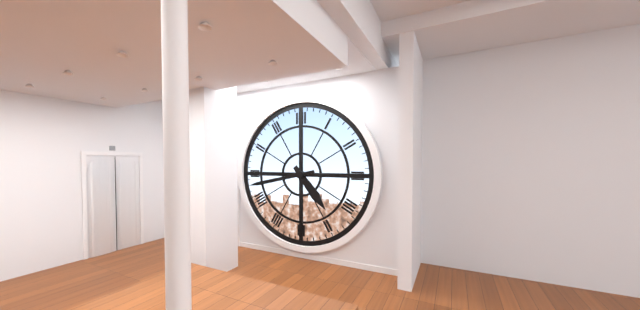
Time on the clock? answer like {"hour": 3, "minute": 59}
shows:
{"hour": 4, "minute": 43}
